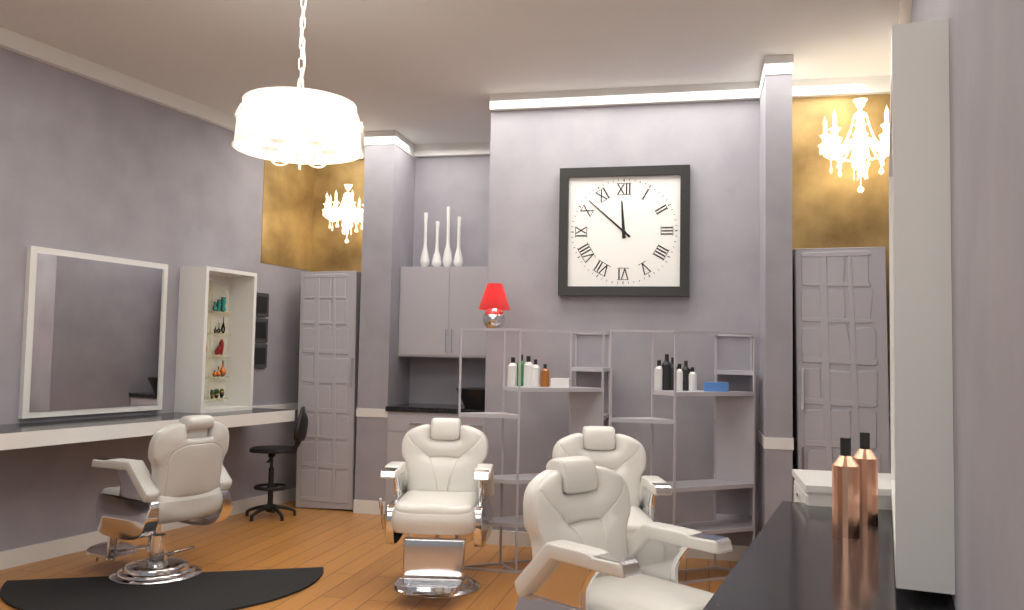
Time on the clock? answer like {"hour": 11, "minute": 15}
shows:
{"hour": 11, "minute": 52}
